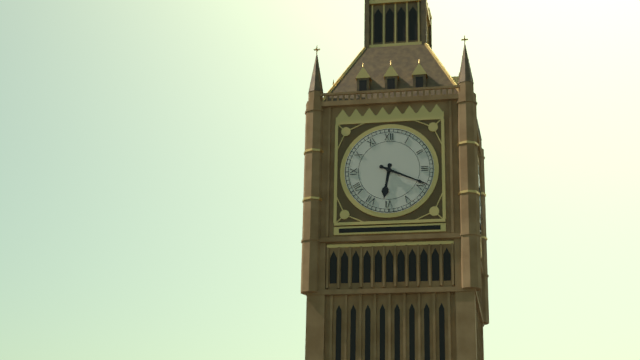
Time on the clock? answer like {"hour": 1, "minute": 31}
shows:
{"hour": 6, "minute": 19}
